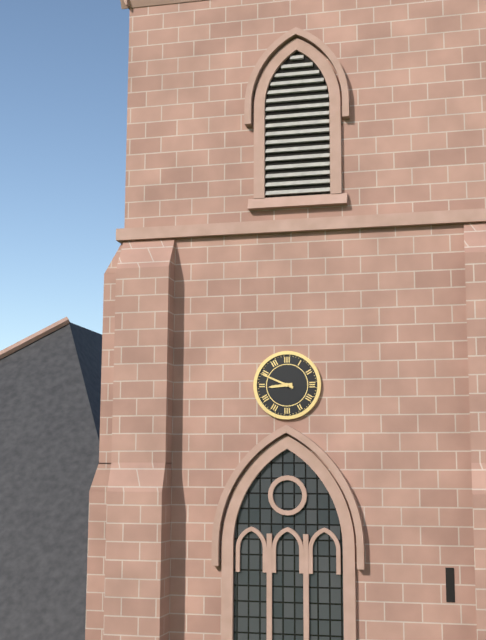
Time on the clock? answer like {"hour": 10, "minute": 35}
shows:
{"hour": 8, "minute": 49}
